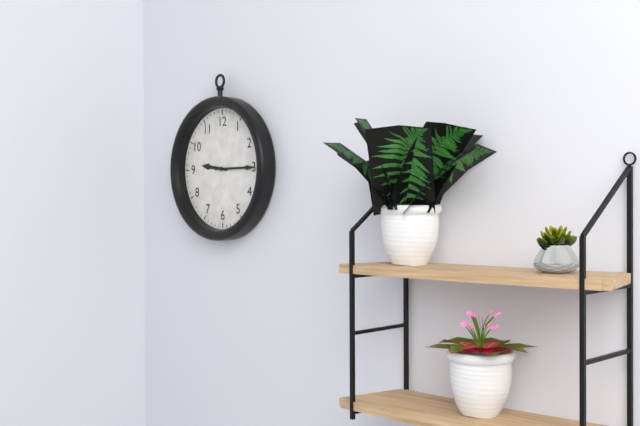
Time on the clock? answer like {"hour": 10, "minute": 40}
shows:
{"hour": 9, "minute": 15}
